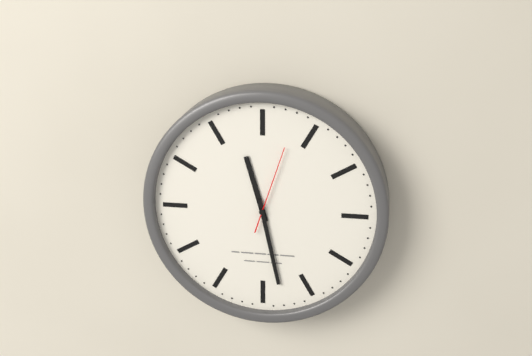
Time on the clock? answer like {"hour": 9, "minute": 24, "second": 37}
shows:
{"hour": 11, "minute": 28, "second": 3}
